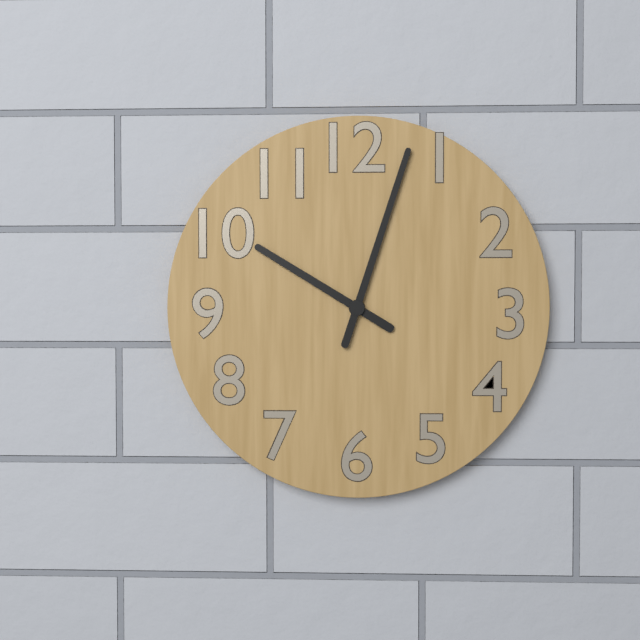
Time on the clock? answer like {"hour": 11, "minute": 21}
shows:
{"hour": 10, "minute": 3}
